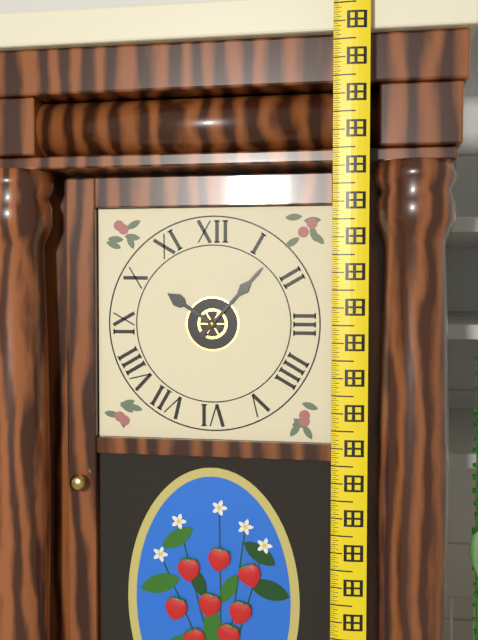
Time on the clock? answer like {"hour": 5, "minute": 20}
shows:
{"hour": 10, "minute": 7}
